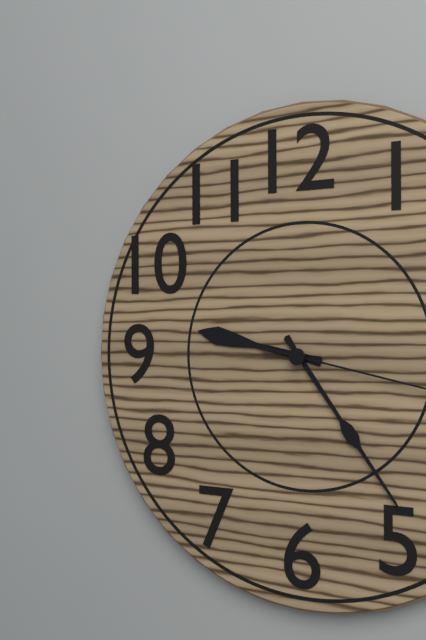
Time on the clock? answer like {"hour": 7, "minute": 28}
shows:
{"hour": 9, "minute": 24}
